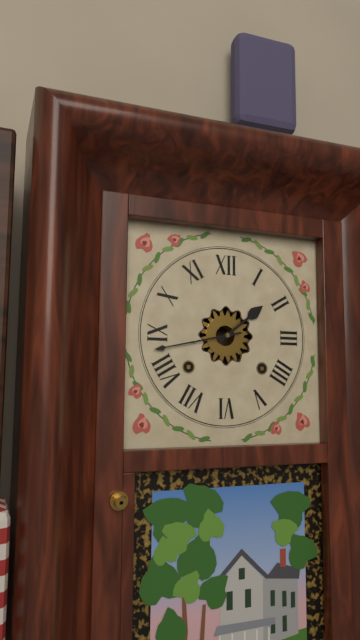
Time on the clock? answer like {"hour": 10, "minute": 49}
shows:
{"hour": 1, "minute": 43}
